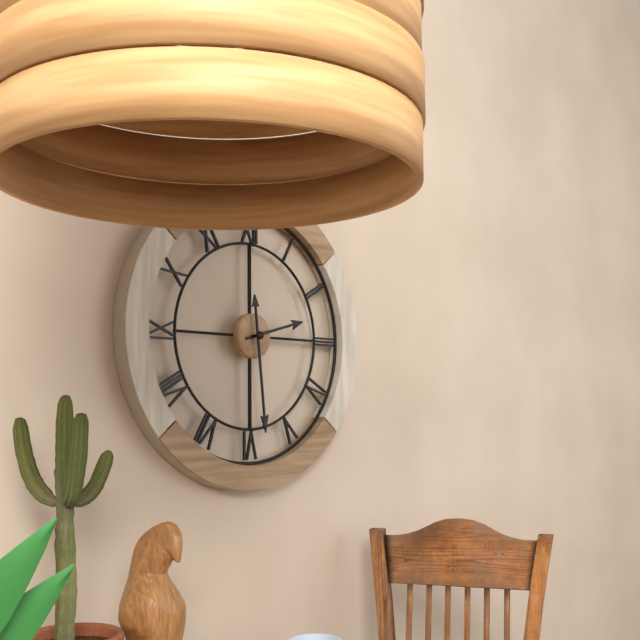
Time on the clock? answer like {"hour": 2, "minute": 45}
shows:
{"hour": 2, "minute": 29}
